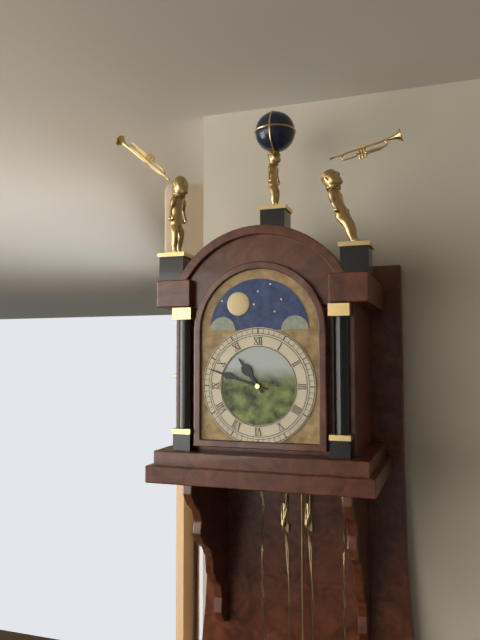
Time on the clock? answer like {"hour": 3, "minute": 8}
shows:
{"hour": 10, "minute": 48}
